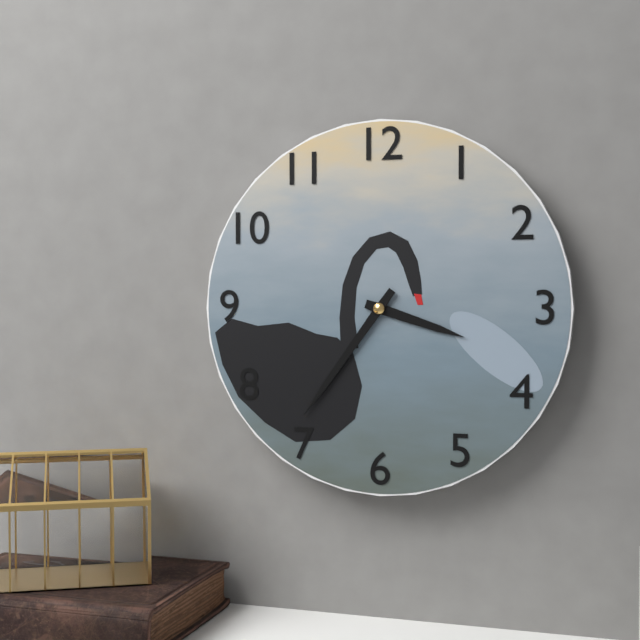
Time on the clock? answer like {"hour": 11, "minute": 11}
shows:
{"hour": 3, "minute": 36}
